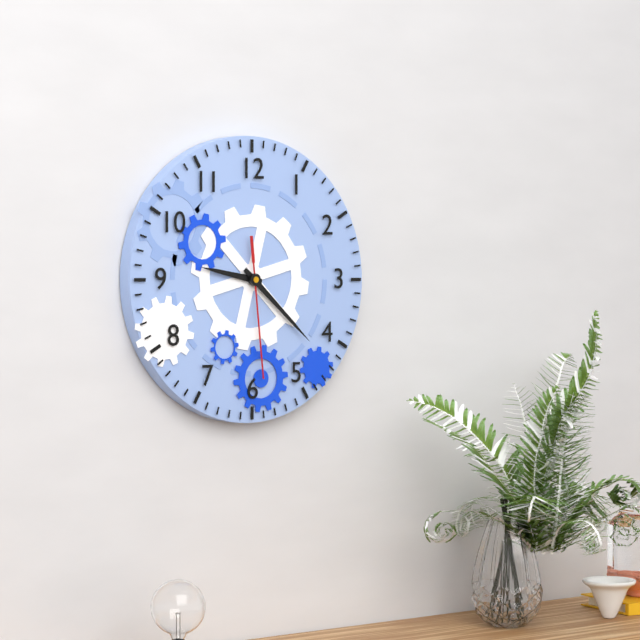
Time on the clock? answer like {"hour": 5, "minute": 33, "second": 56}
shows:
{"hour": 9, "minute": 22, "second": 29}
